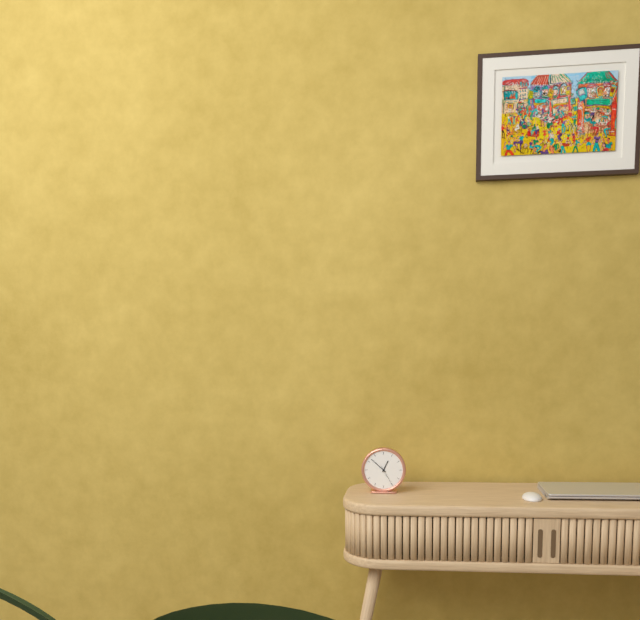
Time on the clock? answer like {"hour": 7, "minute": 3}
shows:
{"hour": 12, "minute": 52}
